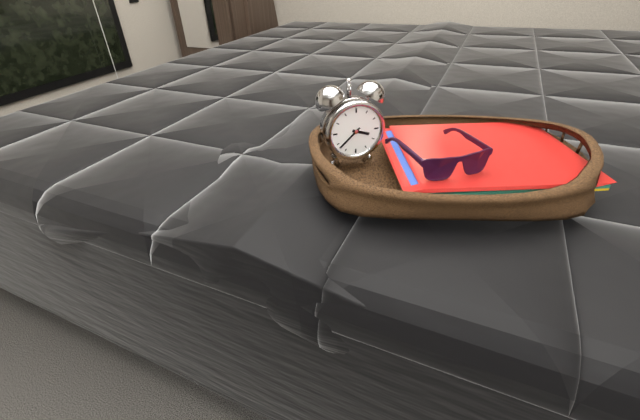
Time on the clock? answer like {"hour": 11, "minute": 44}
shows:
{"hour": 3, "minute": 38}
